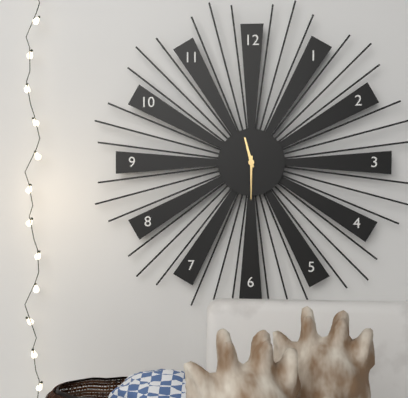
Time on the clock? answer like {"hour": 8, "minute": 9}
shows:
{"hour": 11, "minute": 30}
